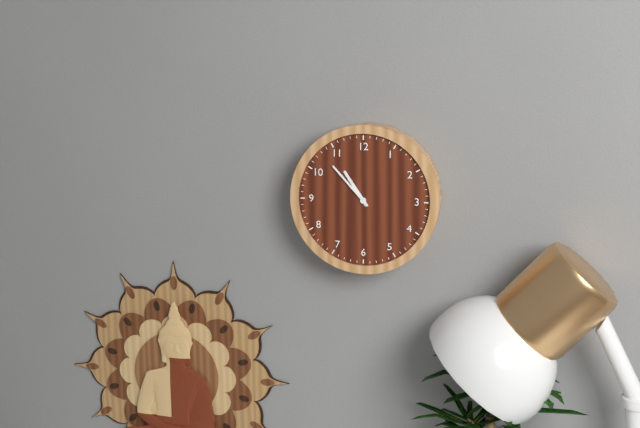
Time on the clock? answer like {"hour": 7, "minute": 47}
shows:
{"hour": 10, "minute": 53}
